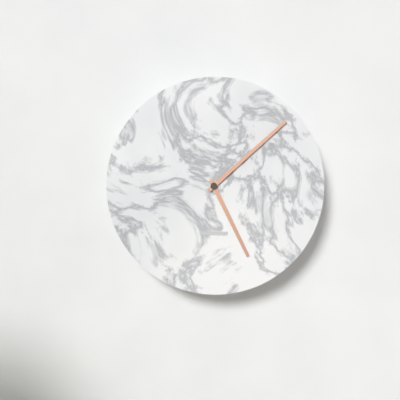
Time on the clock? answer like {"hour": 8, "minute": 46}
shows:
{"hour": 5, "minute": 8}
